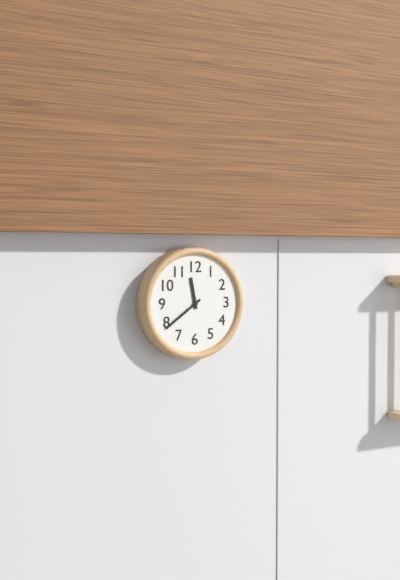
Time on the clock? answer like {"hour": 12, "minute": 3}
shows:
{"hour": 11, "minute": 39}
